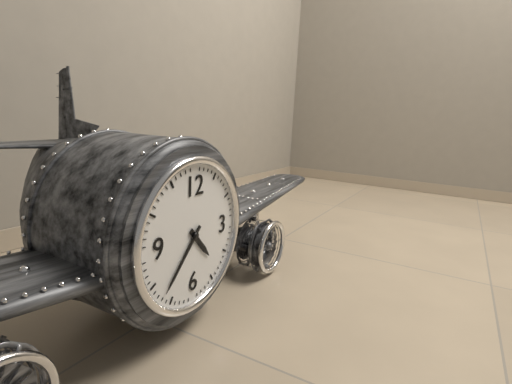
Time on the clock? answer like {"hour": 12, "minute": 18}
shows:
{"hour": 4, "minute": 37}
